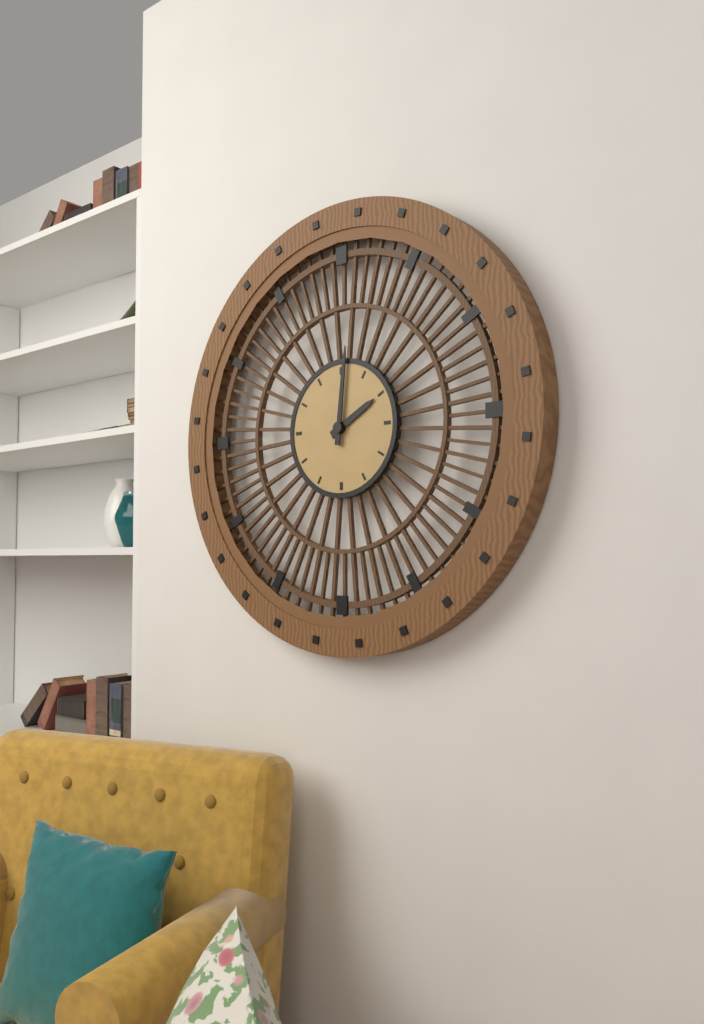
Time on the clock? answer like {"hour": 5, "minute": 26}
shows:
{"hour": 2, "minute": 1}
